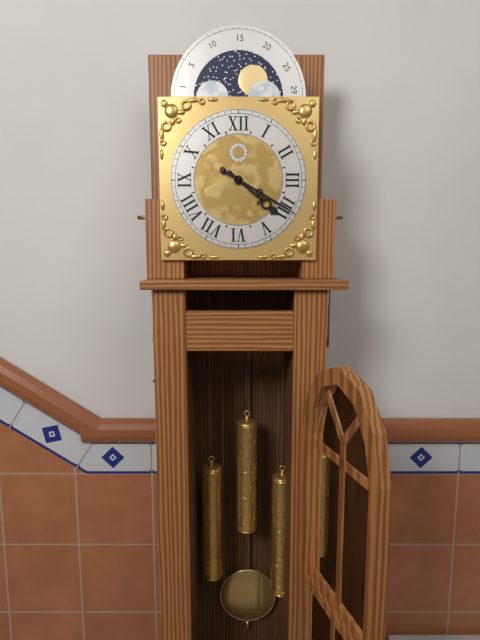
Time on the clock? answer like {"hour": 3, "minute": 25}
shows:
{"hour": 4, "minute": 20}
